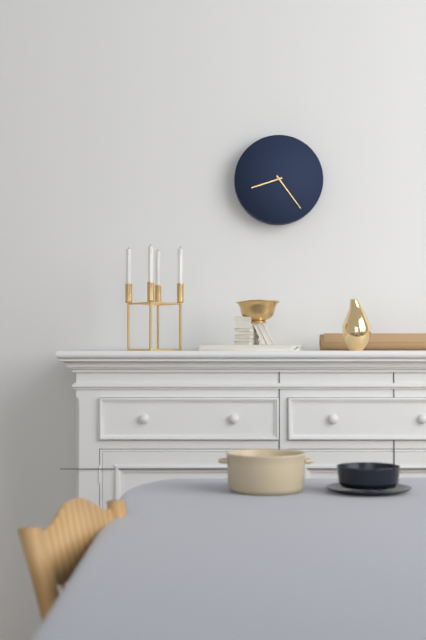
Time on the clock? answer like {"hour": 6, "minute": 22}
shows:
{"hour": 8, "minute": 24}
